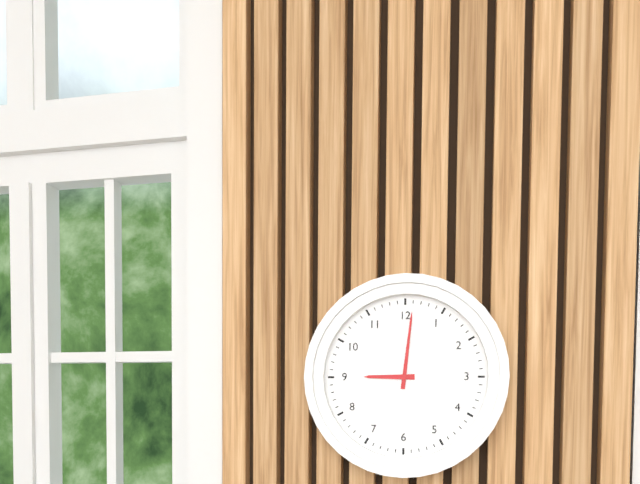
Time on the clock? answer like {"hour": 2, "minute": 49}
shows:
{"hour": 9, "minute": 1}
